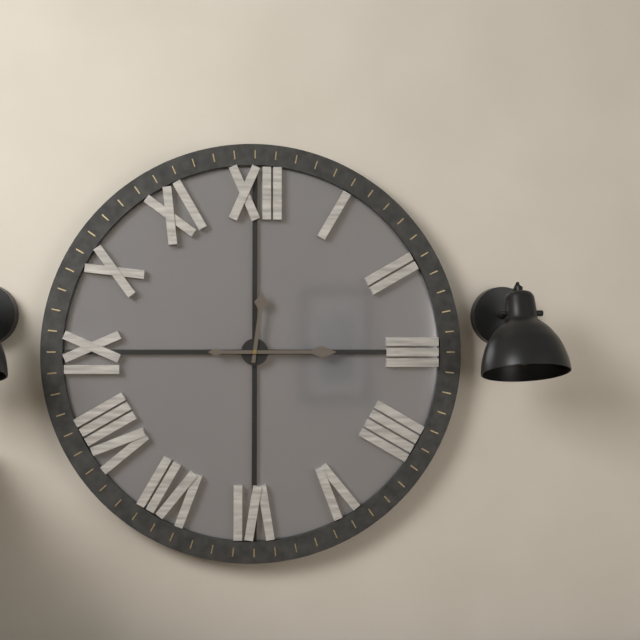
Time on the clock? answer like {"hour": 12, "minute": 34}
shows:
{"hour": 12, "minute": 15}
